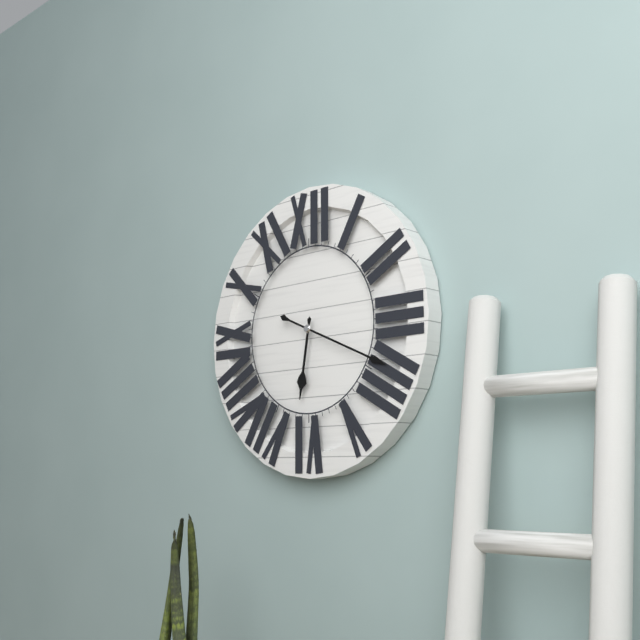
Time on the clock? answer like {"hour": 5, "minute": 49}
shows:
{"hour": 6, "minute": 19}
